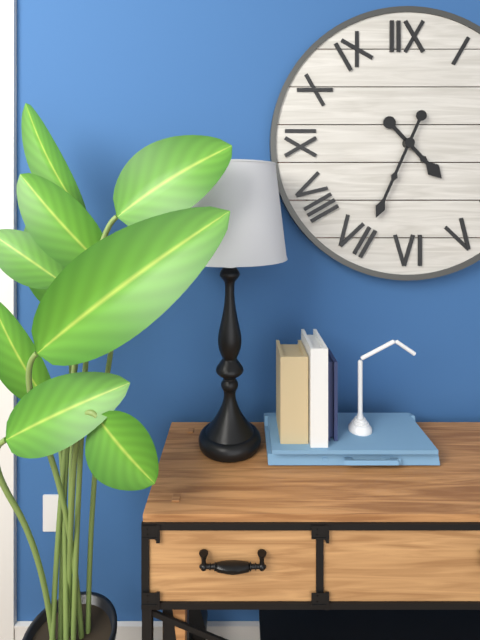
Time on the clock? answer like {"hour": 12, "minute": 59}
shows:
{"hour": 4, "minute": 34}
